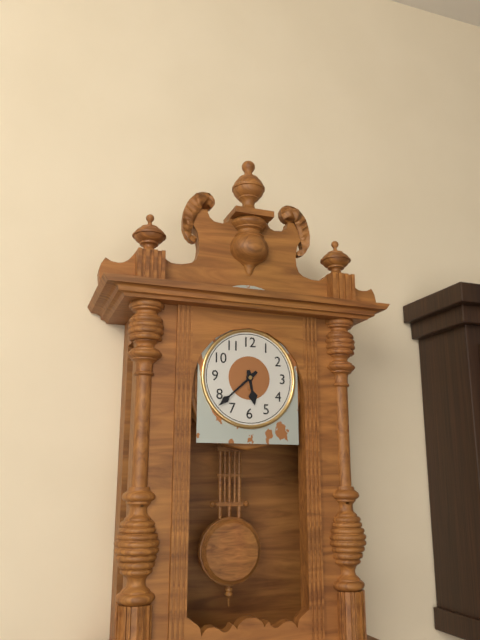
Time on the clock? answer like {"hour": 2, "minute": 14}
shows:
{"hour": 5, "minute": 38}
